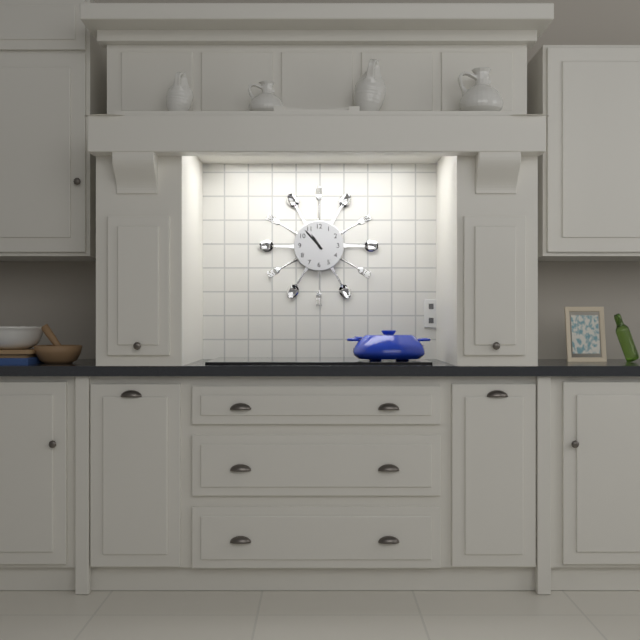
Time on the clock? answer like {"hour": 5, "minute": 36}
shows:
{"hour": 10, "minute": 53}
